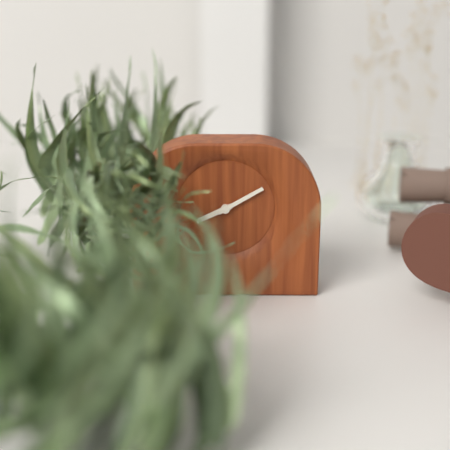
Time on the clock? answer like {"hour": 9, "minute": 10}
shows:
{"hour": 8, "minute": 10}
